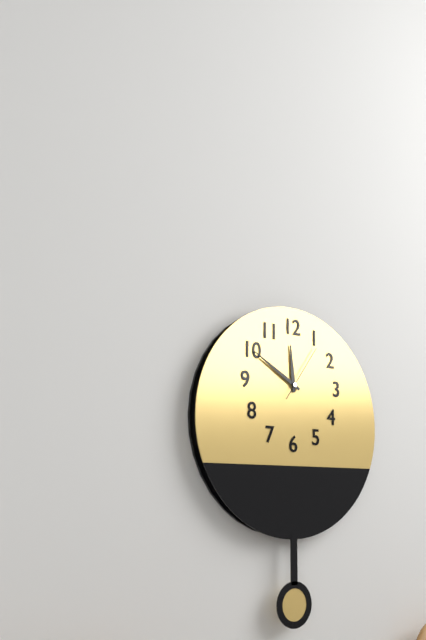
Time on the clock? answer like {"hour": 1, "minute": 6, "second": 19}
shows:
{"hour": 11, "minute": 50, "second": 6}
